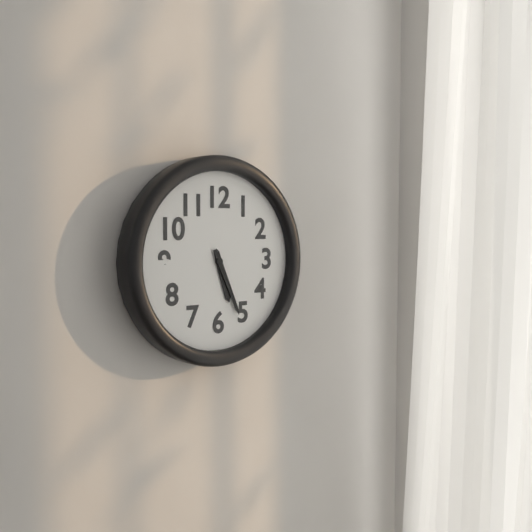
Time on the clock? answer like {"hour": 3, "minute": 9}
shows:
{"hour": 5, "minute": 26}
